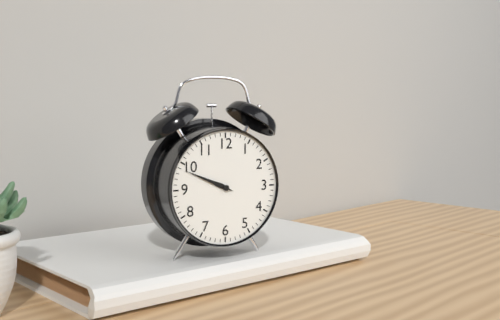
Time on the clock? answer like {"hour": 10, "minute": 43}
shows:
{"hour": 9, "minute": 49}
